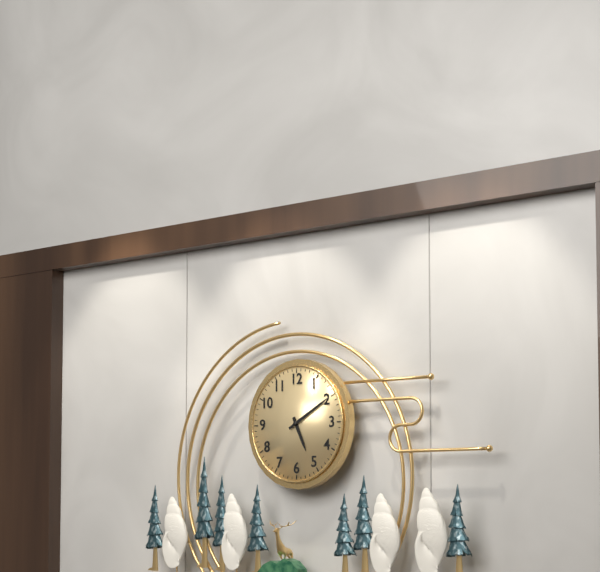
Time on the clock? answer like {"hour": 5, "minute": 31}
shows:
{"hour": 5, "minute": 10}
